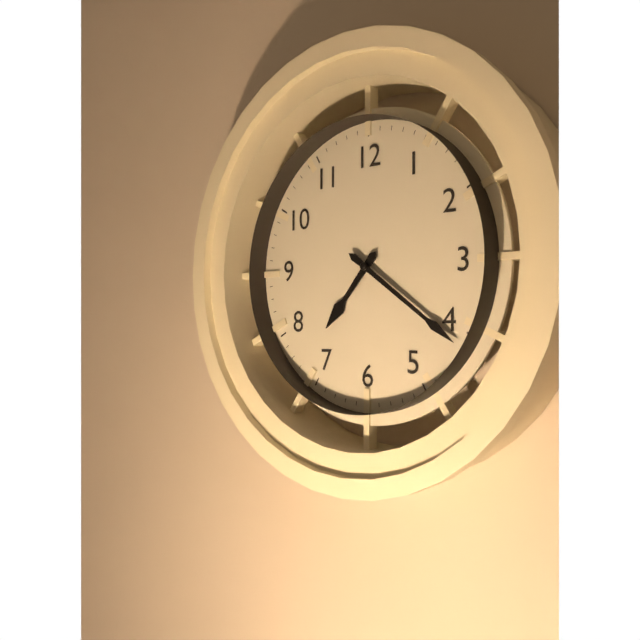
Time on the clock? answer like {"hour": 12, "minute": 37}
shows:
{"hour": 7, "minute": 21}
